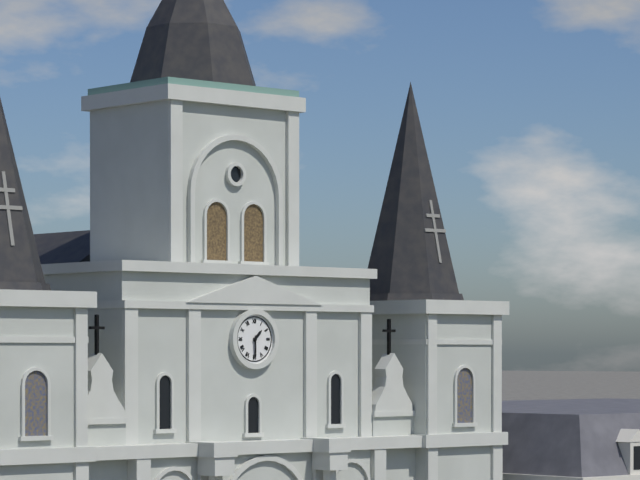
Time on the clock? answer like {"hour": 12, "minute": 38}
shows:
{"hour": 1, "minute": 30}
